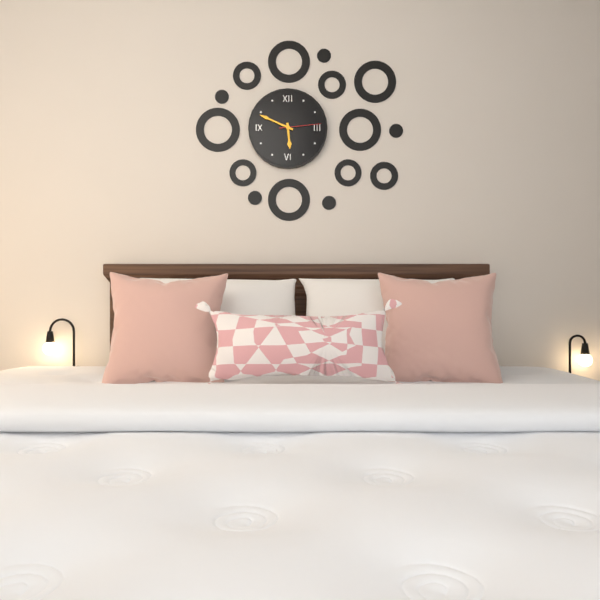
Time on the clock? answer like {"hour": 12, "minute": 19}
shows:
{"hour": 5, "minute": 49}
